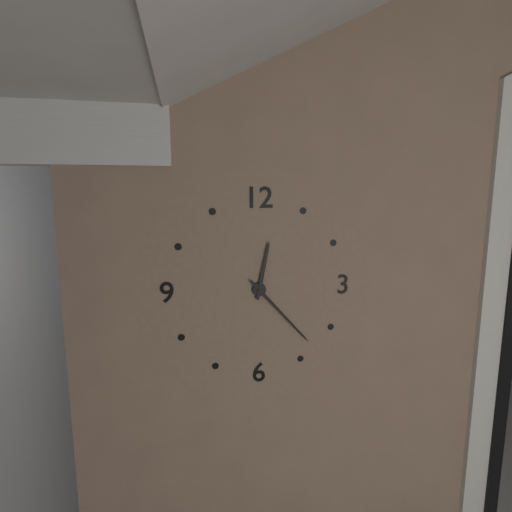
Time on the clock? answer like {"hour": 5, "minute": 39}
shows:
{"hour": 12, "minute": 23}
